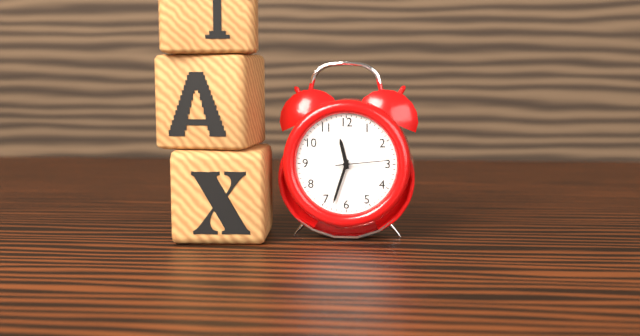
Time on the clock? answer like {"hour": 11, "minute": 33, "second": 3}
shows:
{"hour": 11, "minute": 33, "second": 14}
